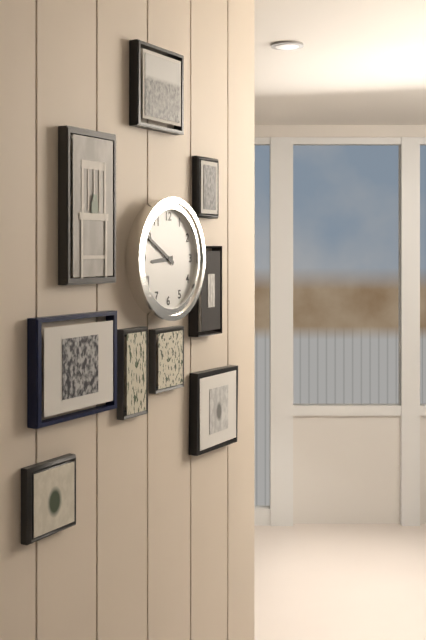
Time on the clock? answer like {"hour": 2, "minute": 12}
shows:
{"hour": 8, "minute": 50}
